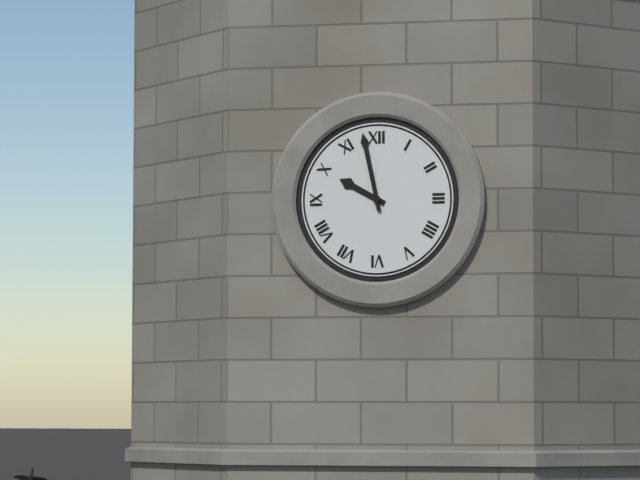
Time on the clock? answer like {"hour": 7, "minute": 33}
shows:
{"hour": 9, "minute": 58}
